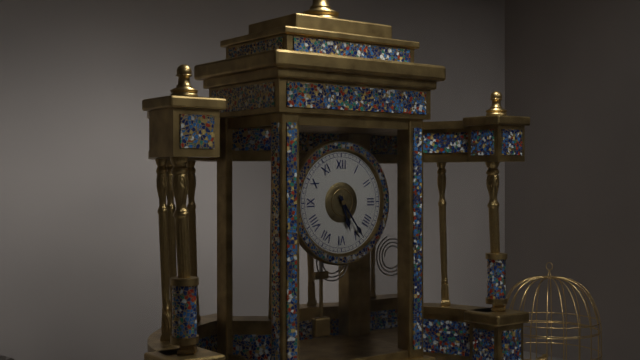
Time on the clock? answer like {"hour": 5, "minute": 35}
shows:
{"hour": 5, "minute": 24}
